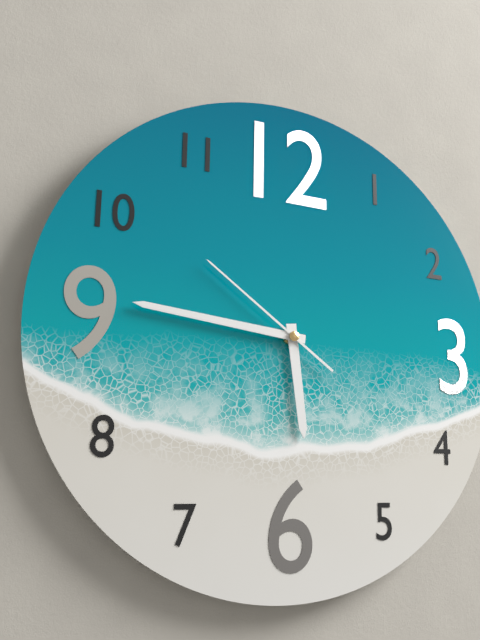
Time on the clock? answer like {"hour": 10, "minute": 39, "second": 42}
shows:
{"hour": 5, "minute": 46, "second": 51}
